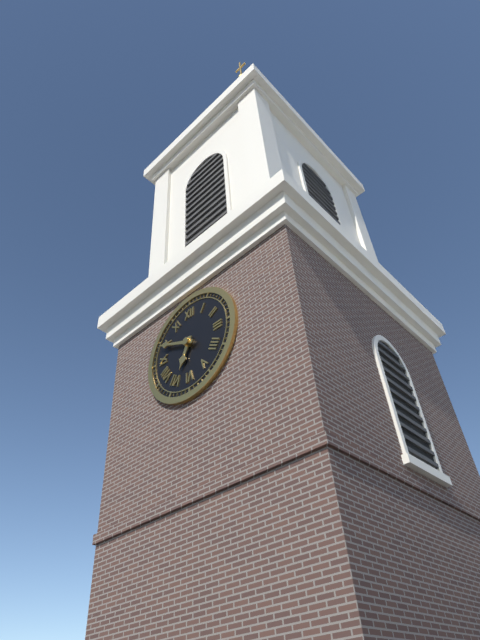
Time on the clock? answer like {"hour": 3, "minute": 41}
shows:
{"hour": 6, "minute": 49}
